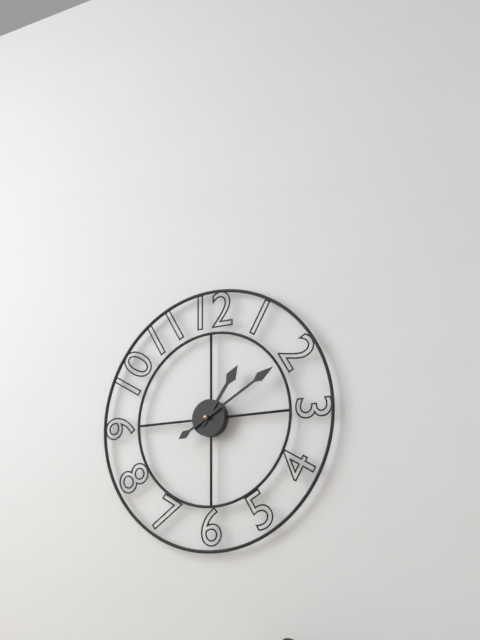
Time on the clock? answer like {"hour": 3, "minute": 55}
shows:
{"hour": 1, "minute": 10}
